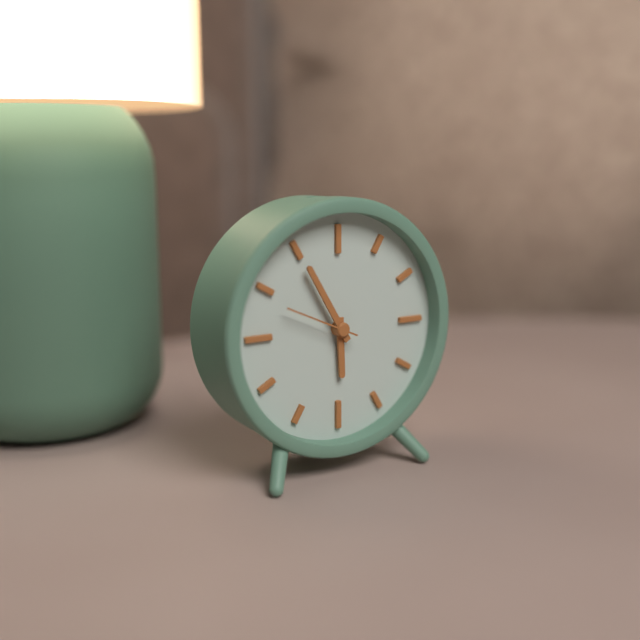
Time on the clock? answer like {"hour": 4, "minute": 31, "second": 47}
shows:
{"hour": 5, "minute": 55, "second": 49}
